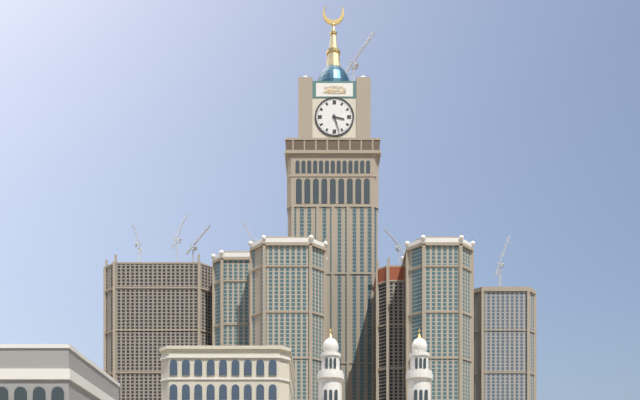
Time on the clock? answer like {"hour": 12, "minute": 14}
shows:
{"hour": 3, "minute": 27}
